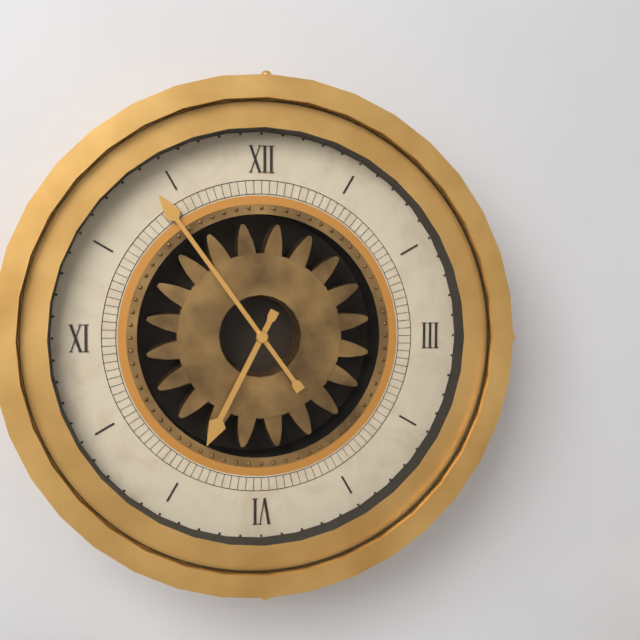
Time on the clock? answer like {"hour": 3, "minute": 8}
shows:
{"hour": 6, "minute": 54}
